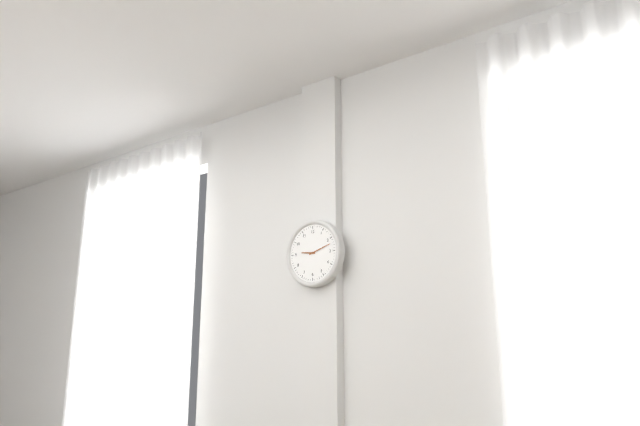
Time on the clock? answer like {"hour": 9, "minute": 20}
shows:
{"hour": 9, "minute": 12}
